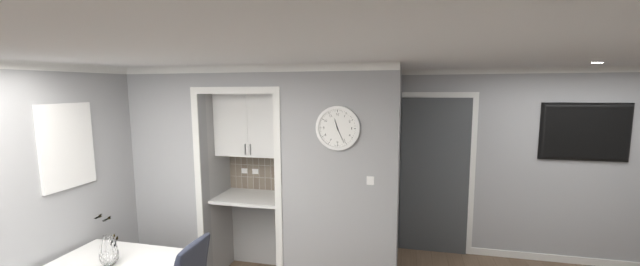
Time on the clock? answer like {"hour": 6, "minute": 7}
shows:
{"hour": 11, "minute": 26}
